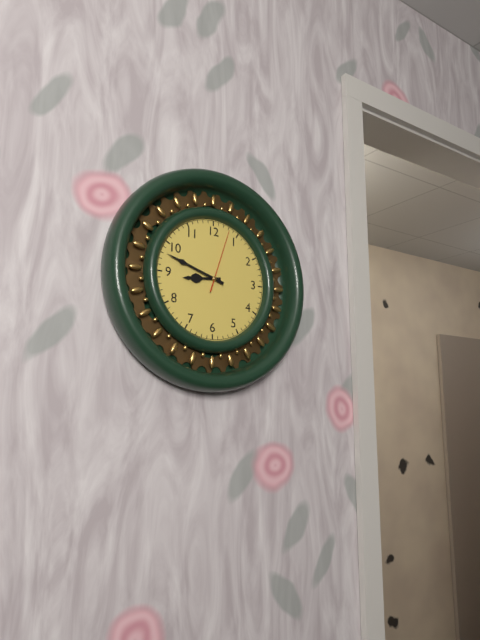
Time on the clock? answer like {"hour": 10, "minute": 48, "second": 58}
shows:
{"hour": 8, "minute": 48, "second": 3}
